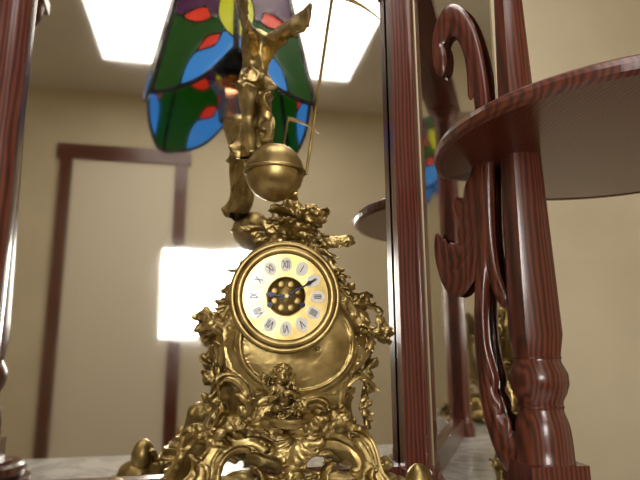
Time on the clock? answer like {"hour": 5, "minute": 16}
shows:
{"hour": 9, "minute": 10}
